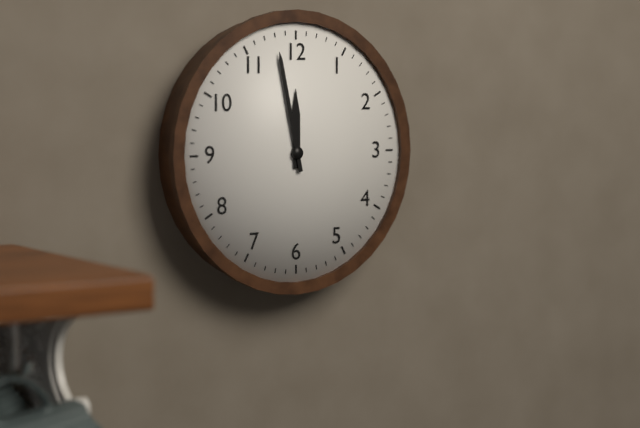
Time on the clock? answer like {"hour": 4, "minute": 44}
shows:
{"hour": 11, "minute": 58}
